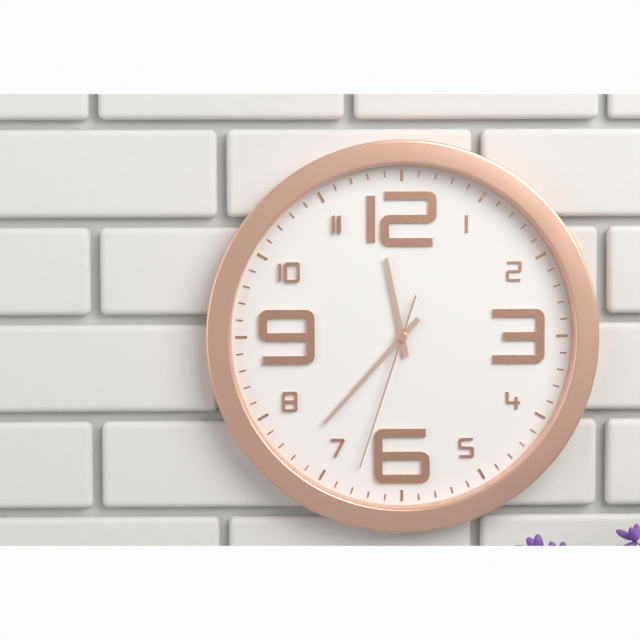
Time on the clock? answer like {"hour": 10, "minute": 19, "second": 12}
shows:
{"hour": 11, "minute": 37, "second": 33}
